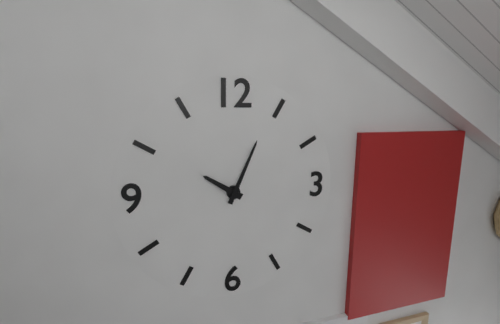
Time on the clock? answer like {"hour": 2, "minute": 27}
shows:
{"hour": 10, "minute": 4}
